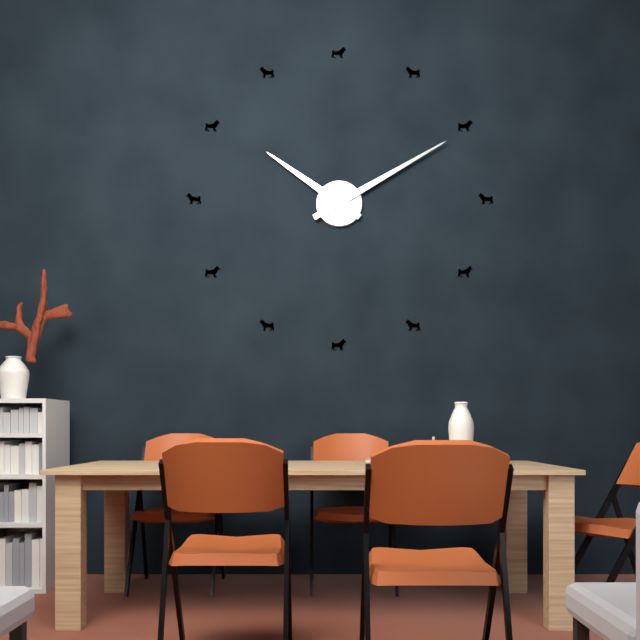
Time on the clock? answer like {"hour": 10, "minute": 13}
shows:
{"hour": 10, "minute": 10}
